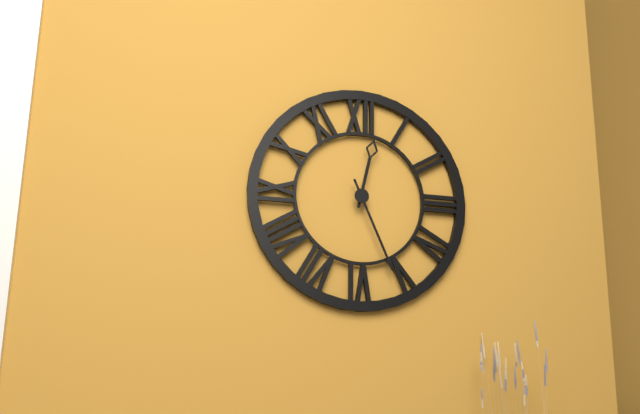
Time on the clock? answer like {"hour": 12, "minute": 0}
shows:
{"hour": 12, "minute": 26}
